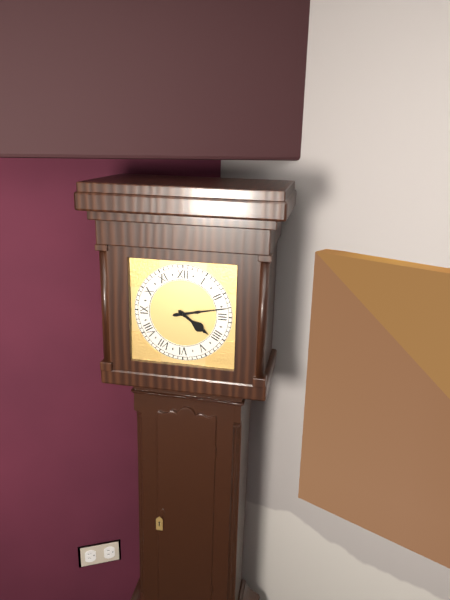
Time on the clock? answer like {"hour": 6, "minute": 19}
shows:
{"hour": 4, "minute": 13}
